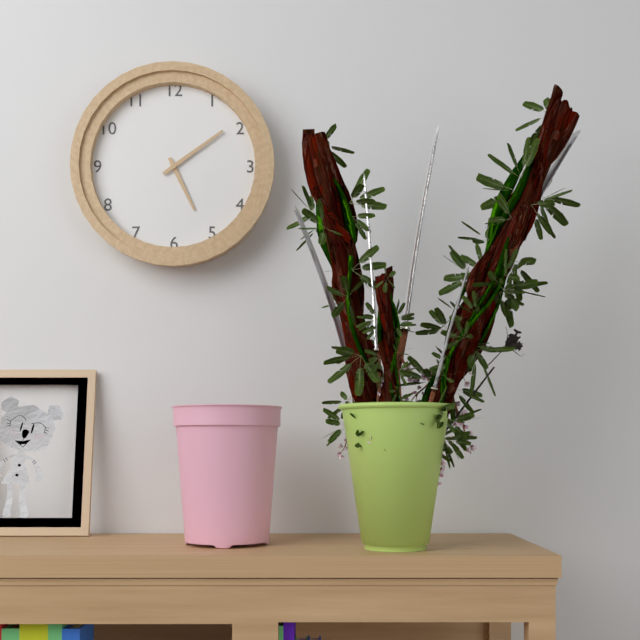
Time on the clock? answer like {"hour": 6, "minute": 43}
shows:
{"hour": 5, "minute": 9}
